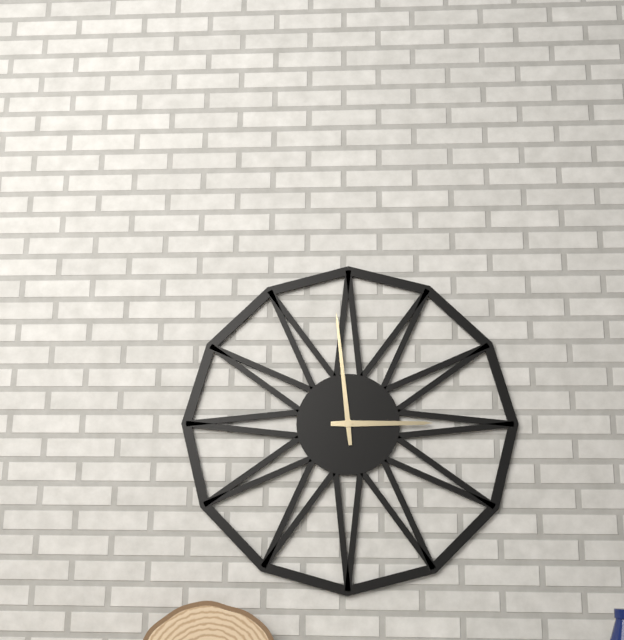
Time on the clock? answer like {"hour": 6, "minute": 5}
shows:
{"hour": 2, "minute": 59}
